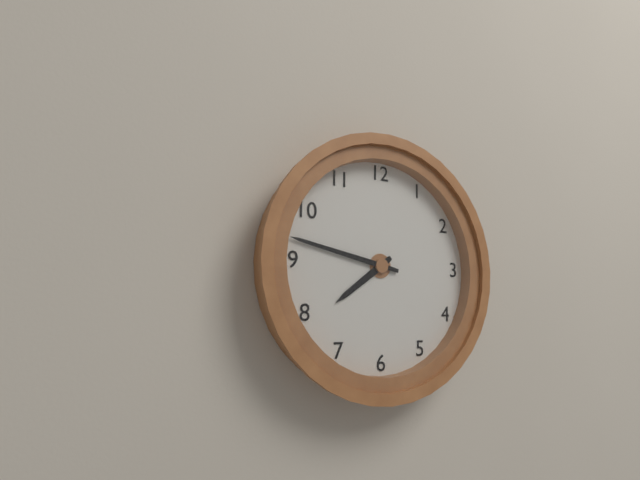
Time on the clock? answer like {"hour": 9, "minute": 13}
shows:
{"hour": 7, "minute": 47}
